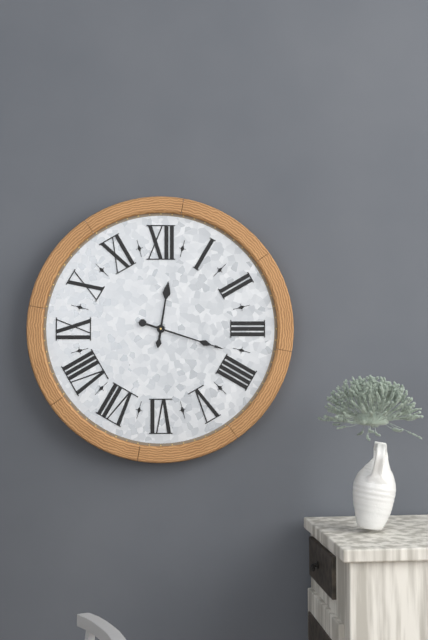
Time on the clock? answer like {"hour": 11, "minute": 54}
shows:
{"hour": 12, "minute": 18}
